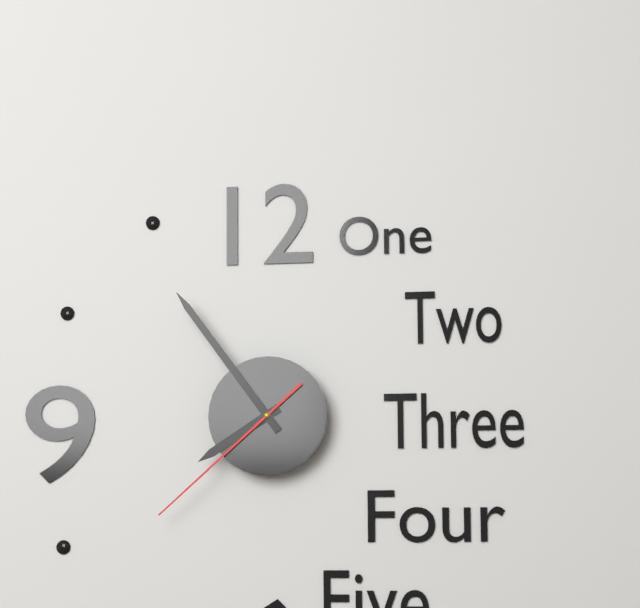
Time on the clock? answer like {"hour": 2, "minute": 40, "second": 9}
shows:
{"hour": 7, "minute": 54, "second": 38}
